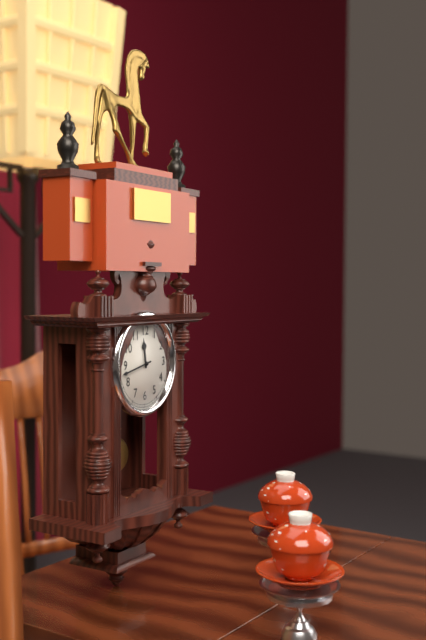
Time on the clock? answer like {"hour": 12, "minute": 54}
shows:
{"hour": 11, "minute": 43}
